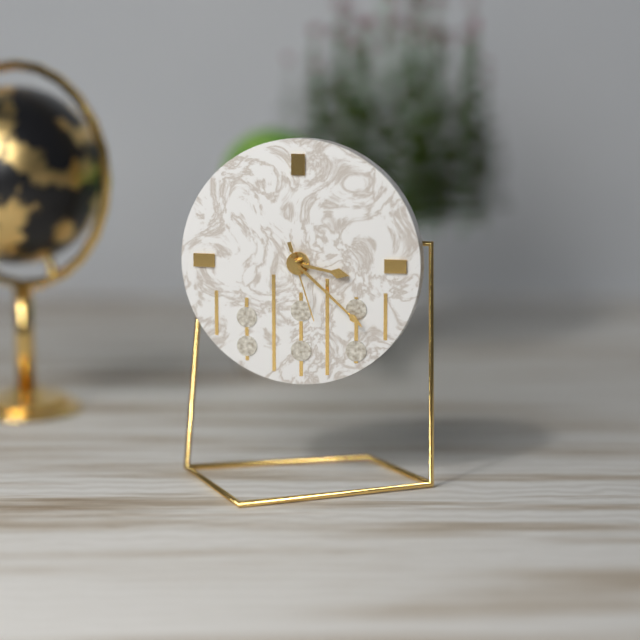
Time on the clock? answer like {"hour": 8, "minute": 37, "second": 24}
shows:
{"hour": 3, "minute": 22, "second": 27}
